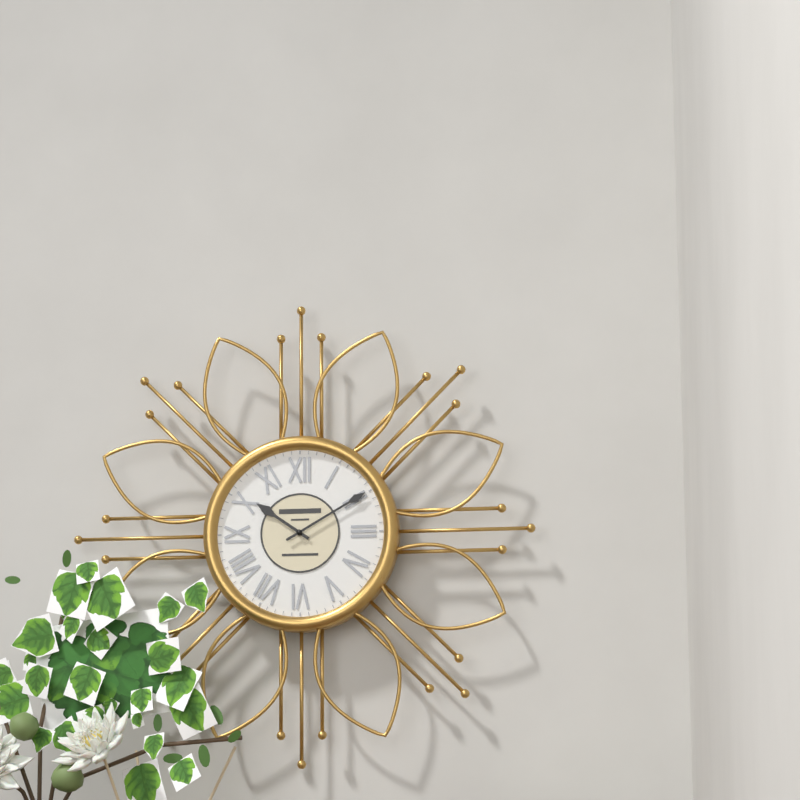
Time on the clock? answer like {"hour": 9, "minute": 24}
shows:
{"hour": 10, "minute": 10}
